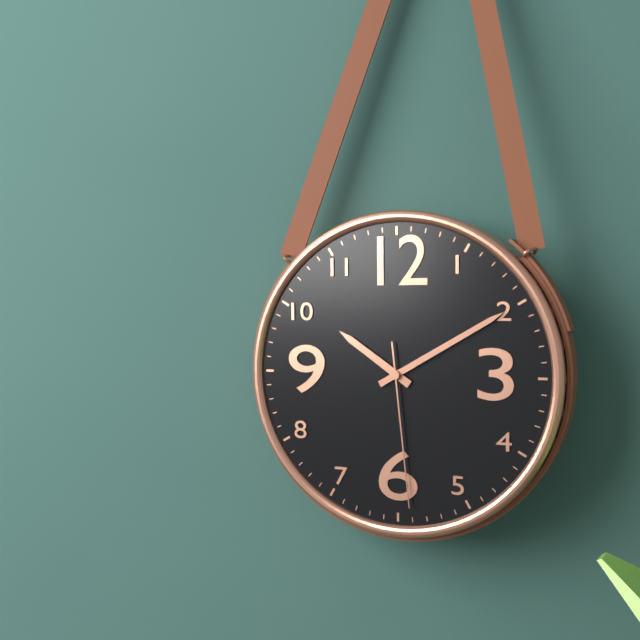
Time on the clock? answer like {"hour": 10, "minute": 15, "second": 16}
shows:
{"hour": 10, "minute": 10, "second": 29}
